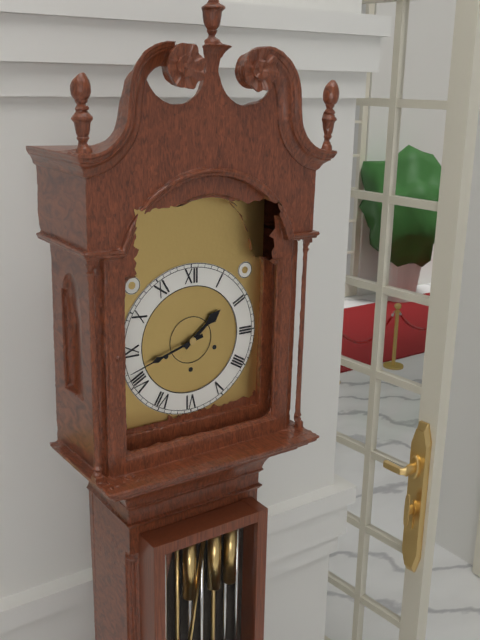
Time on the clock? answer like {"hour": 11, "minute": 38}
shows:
{"hour": 1, "minute": 42}
